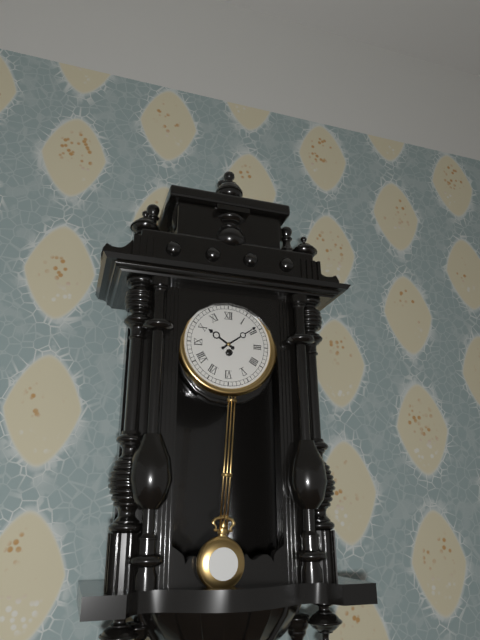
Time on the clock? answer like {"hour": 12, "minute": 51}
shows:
{"hour": 10, "minute": 9}
